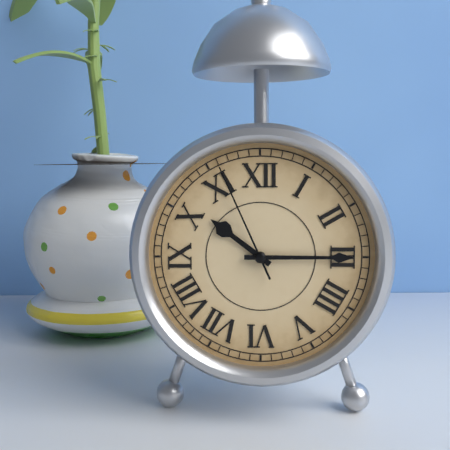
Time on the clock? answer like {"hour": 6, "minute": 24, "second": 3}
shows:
{"hour": 10, "minute": 15, "second": 56}
